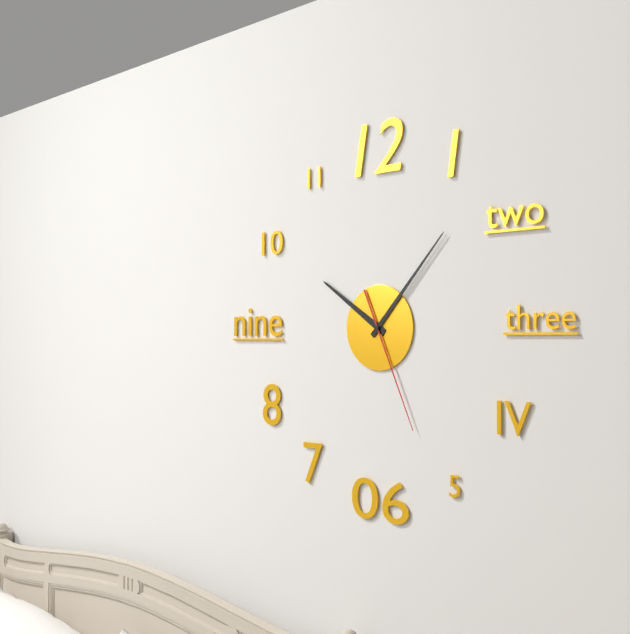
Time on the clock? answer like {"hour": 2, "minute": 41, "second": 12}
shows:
{"hour": 10, "minute": 7, "second": 26}
